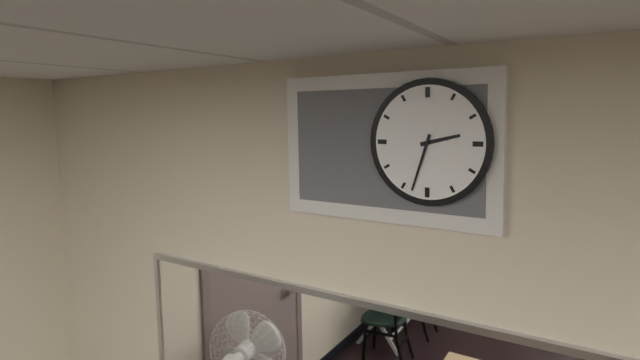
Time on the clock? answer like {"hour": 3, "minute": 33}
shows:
{"hour": 2, "minute": 33}
